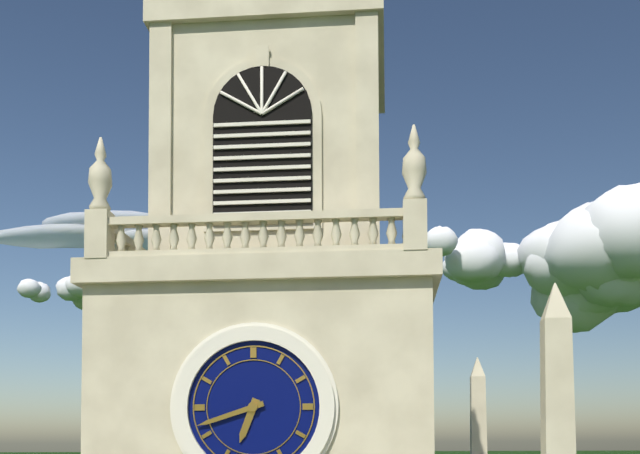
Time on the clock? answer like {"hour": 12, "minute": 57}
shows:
{"hour": 6, "minute": 42}
